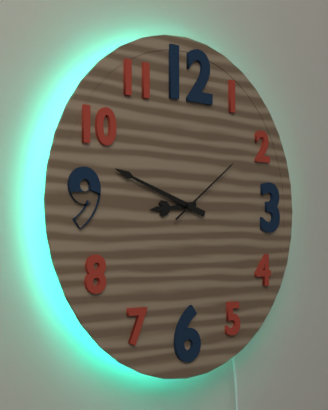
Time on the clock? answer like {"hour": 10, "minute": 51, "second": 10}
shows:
{"hour": 8, "minute": 48, "second": 9}
